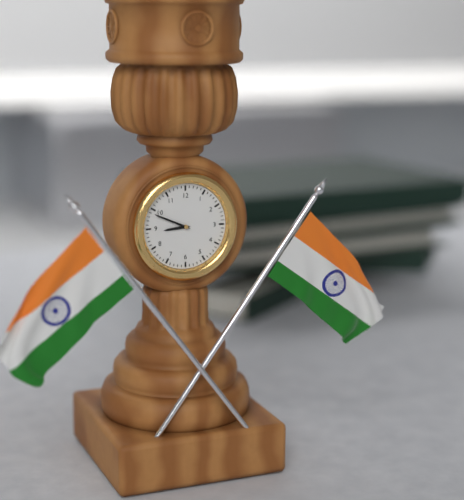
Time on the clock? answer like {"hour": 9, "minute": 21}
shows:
{"hour": 8, "minute": 49}
